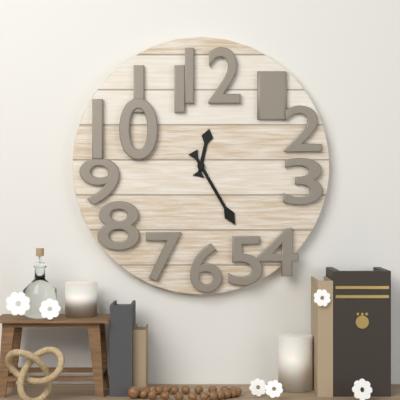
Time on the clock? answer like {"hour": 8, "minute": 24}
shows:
{"hour": 12, "minute": 25}
